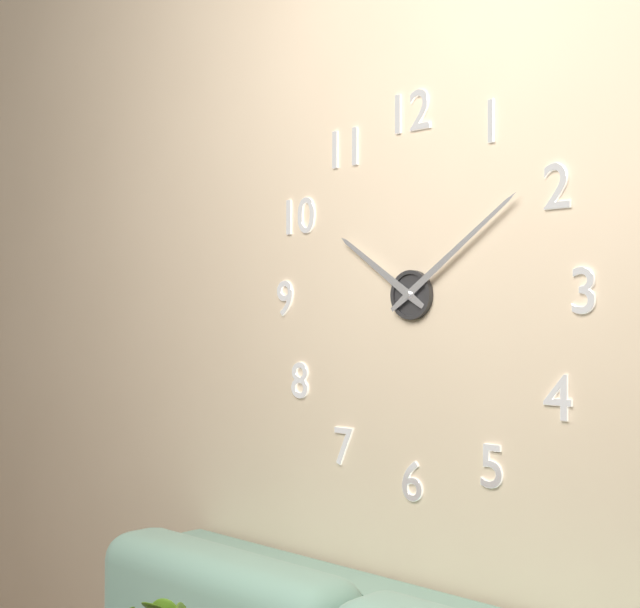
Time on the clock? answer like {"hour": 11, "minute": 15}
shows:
{"hour": 10, "minute": 9}
